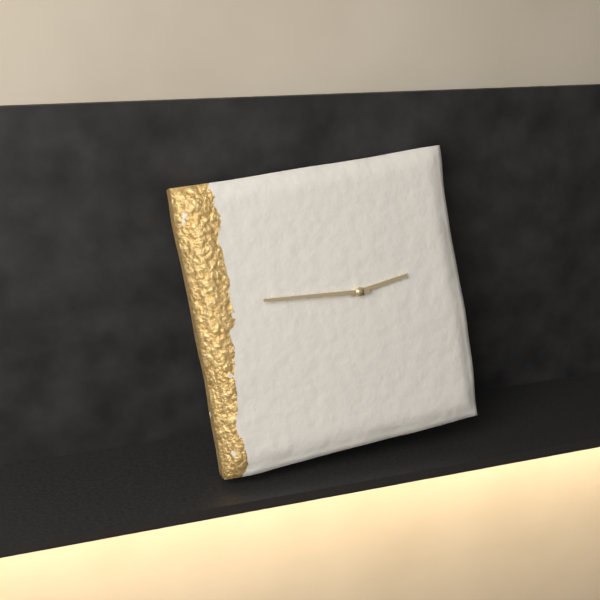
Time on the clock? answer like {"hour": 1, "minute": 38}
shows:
{"hour": 2, "minute": 46}
